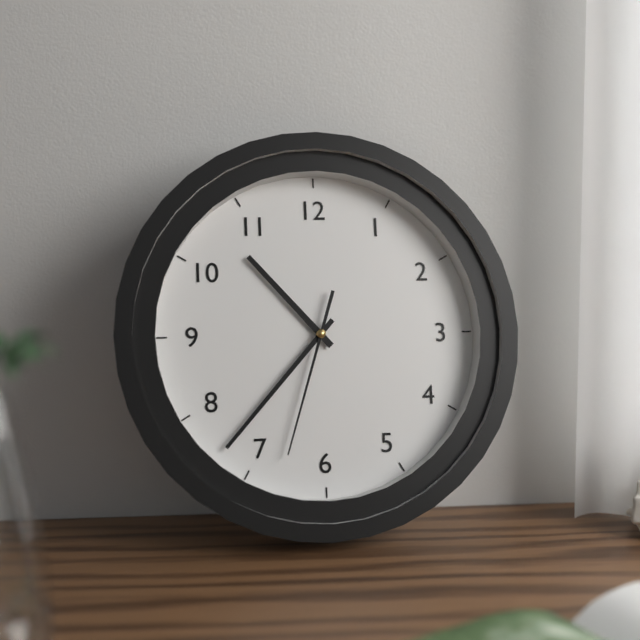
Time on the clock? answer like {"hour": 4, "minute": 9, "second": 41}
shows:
{"hour": 10, "minute": 37, "second": 33}
